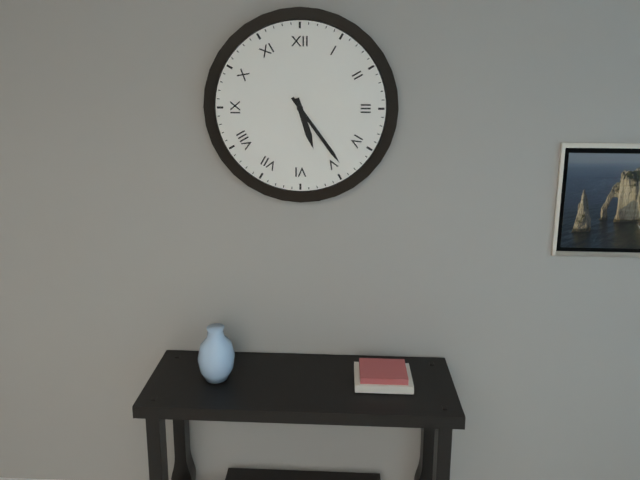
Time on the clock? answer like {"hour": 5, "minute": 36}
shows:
{"hour": 5, "minute": 24}
